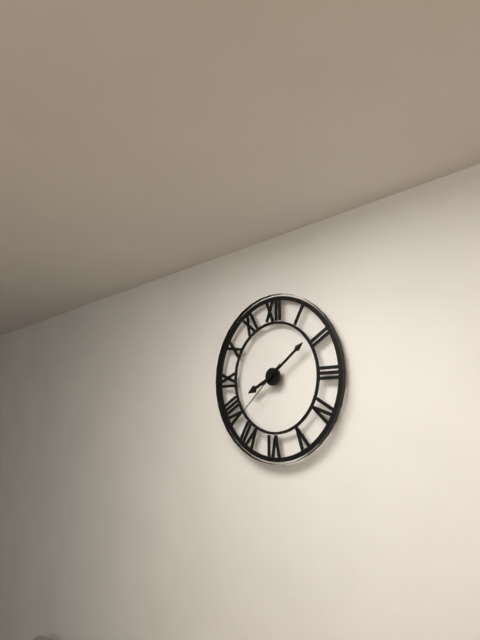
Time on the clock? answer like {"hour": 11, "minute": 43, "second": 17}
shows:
{"hour": 8, "minute": 9, "second": 38}
